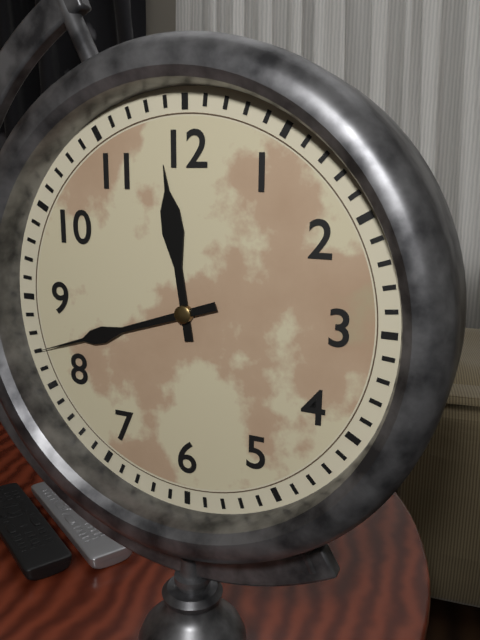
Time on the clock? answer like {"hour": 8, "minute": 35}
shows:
{"hour": 11, "minute": 42}
